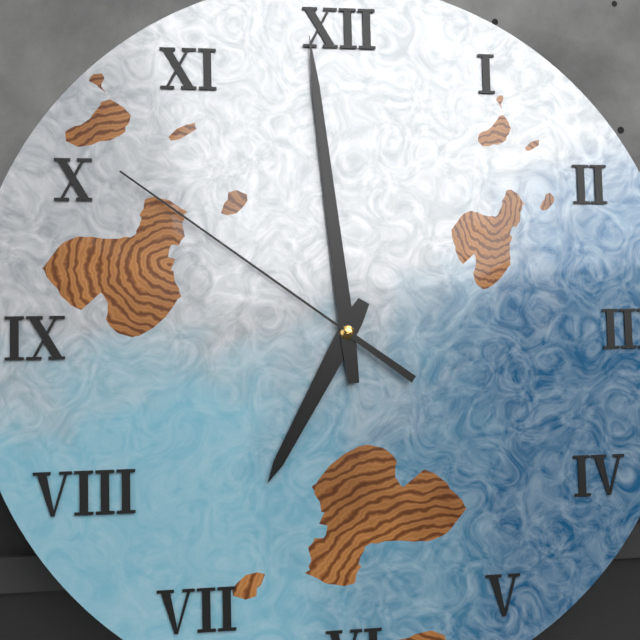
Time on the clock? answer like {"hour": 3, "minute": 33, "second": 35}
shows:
{"hour": 6, "minute": 59, "second": 51}
